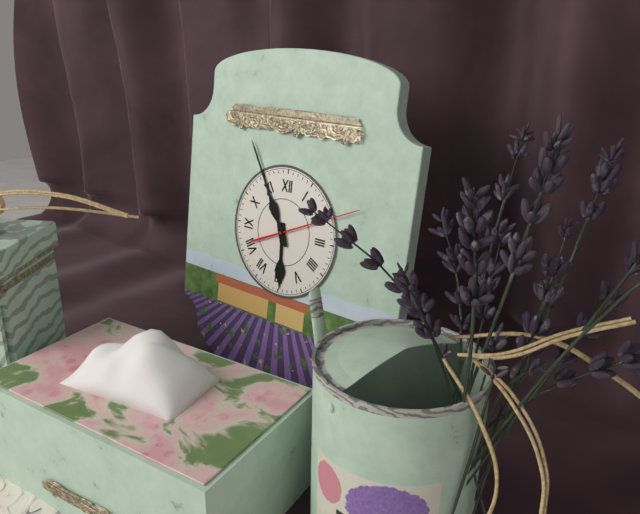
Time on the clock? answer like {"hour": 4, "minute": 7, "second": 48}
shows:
{"hour": 5, "minute": 55, "second": 11}
